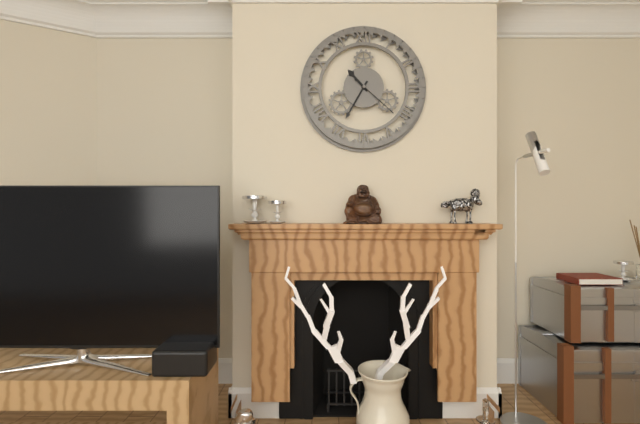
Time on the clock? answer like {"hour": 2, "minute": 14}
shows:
{"hour": 10, "minute": 35}
